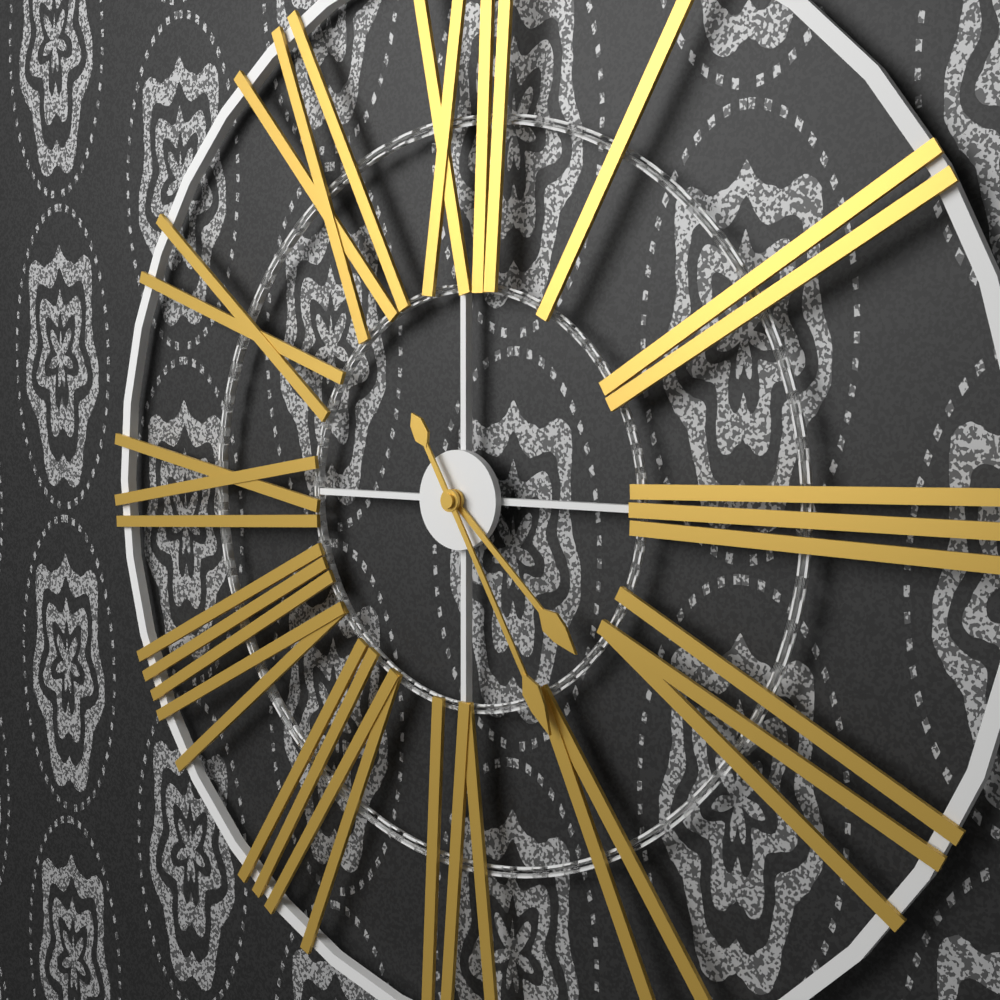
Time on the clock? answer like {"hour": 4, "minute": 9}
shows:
{"hour": 4, "minute": 25}
